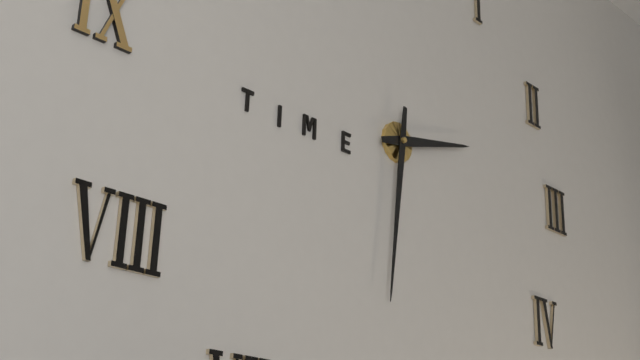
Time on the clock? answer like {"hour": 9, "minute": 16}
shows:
{"hour": 2, "minute": 31}
